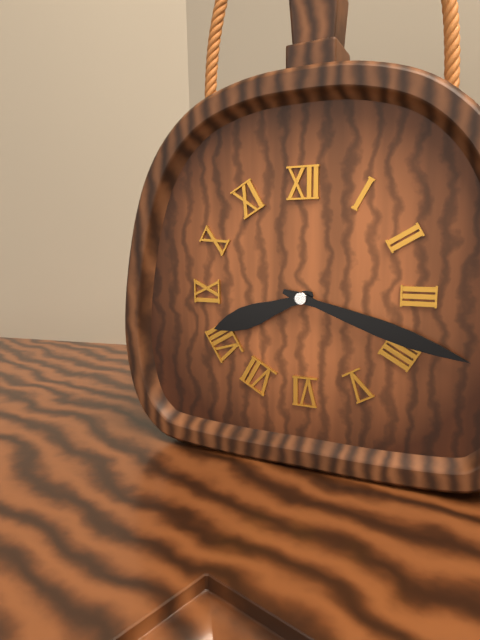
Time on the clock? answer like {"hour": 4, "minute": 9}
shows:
{"hour": 8, "minute": 18}
